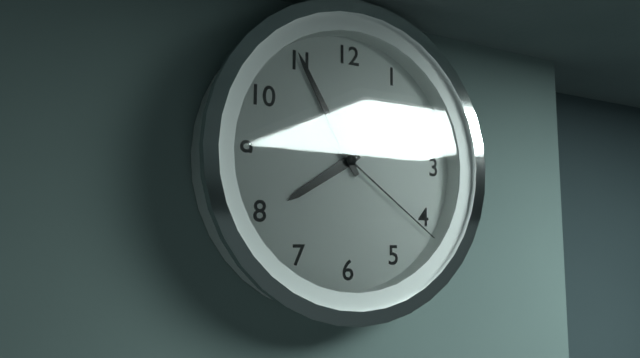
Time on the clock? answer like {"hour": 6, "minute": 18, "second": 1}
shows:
{"hour": 7, "minute": 55, "second": 21}
